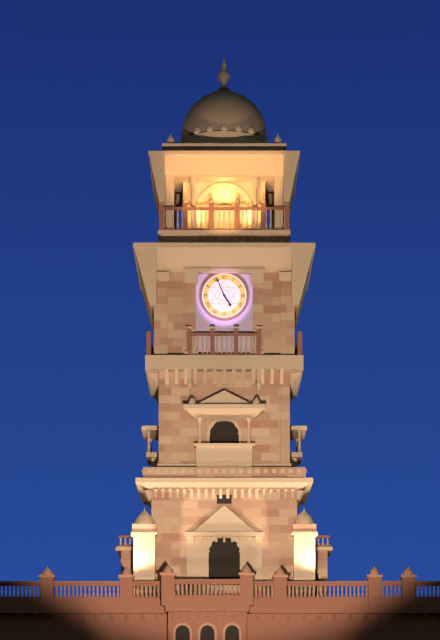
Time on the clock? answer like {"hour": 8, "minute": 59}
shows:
{"hour": 4, "minute": 56}
